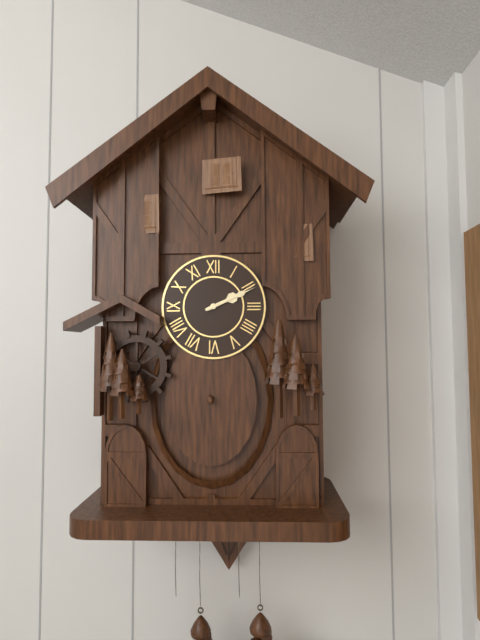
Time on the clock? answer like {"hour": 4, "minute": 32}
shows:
{"hour": 2, "minute": 11}
